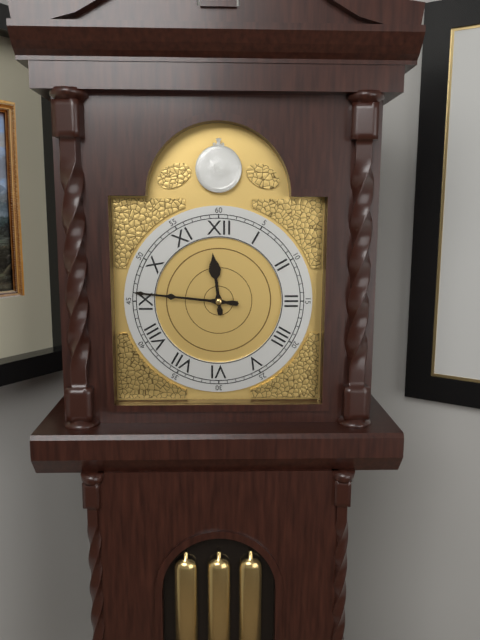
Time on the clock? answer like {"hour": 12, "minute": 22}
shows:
{"hour": 11, "minute": 46}
